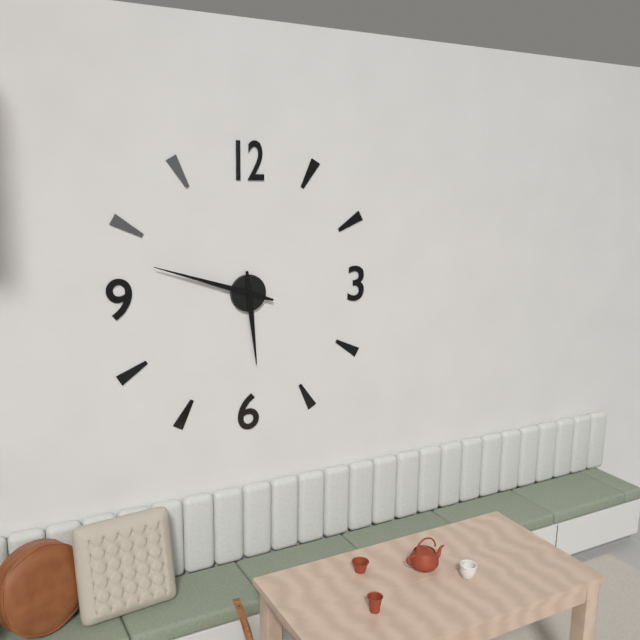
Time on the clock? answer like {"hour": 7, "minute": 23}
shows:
{"hour": 5, "minute": 48}
